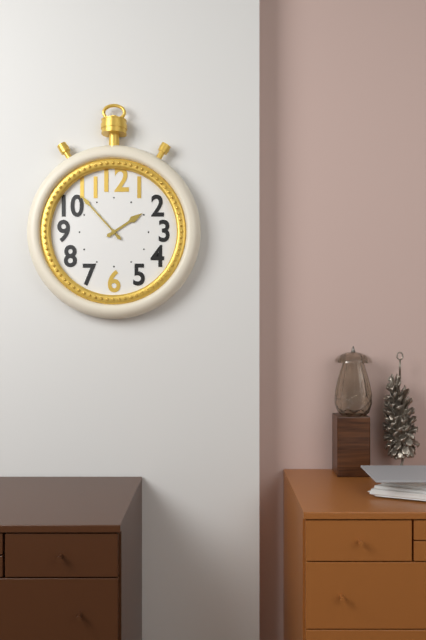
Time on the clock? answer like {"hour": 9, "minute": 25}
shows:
{"hour": 1, "minute": 53}
